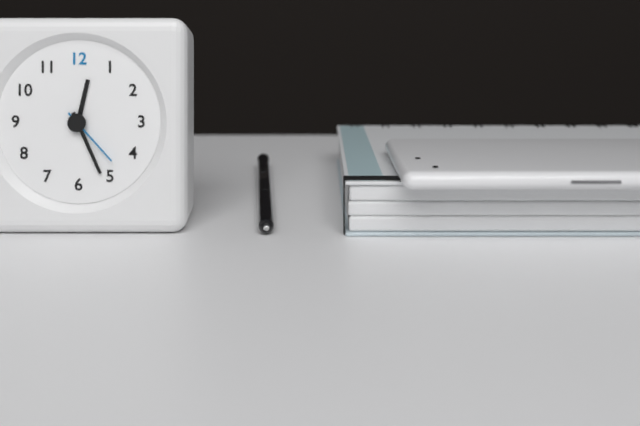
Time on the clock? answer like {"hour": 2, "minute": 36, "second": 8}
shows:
{"hour": 12, "minute": 26, "second": 23}
